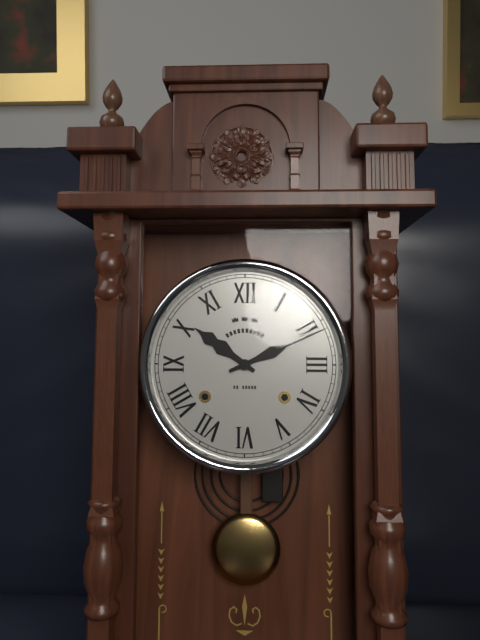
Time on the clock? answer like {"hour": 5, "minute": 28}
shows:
{"hour": 10, "minute": 11}
